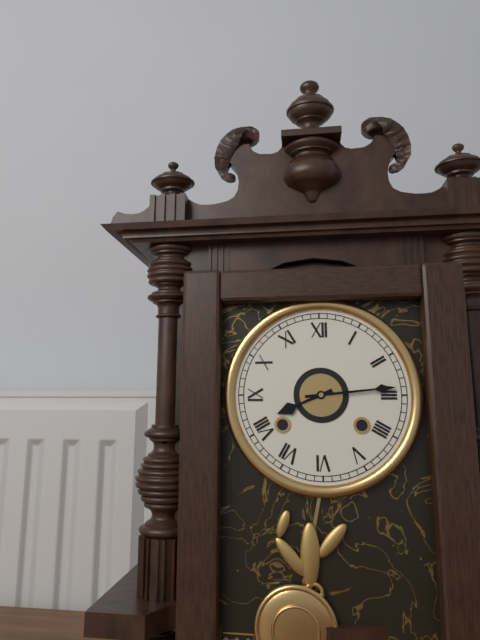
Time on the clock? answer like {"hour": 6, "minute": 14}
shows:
{"hour": 8, "minute": 14}
